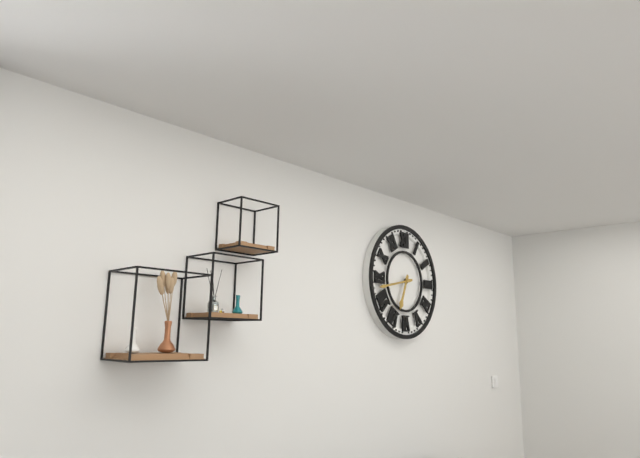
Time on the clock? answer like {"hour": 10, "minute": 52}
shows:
{"hour": 6, "minute": 43}
